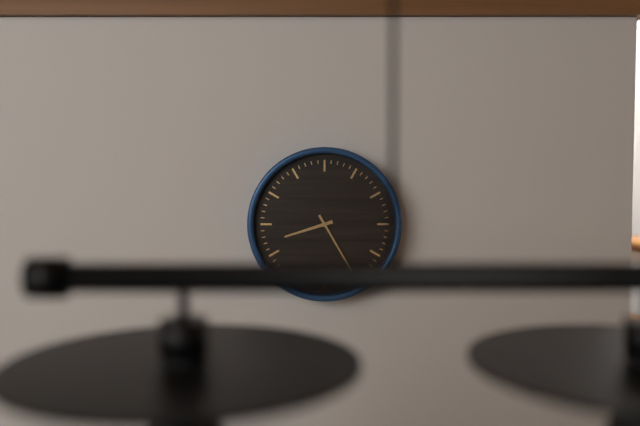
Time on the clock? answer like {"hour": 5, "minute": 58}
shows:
{"hour": 8, "minute": 25}
